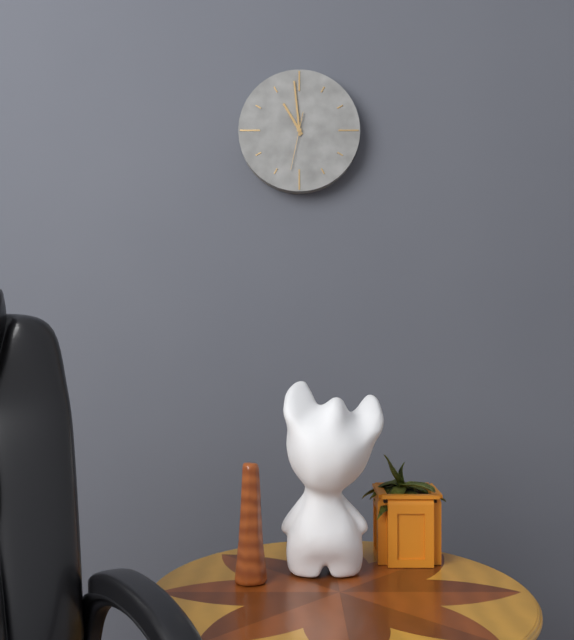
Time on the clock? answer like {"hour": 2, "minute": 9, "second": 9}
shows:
{"hour": 10, "minute": 59, "second": 32}
